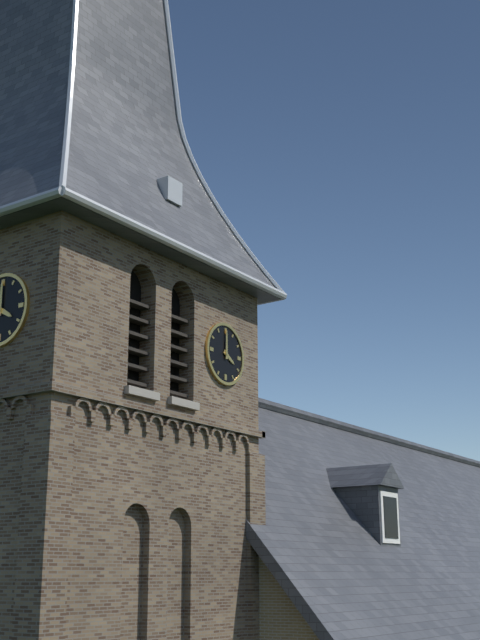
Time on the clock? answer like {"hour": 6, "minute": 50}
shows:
{"hour": 4, "minute": 0}
